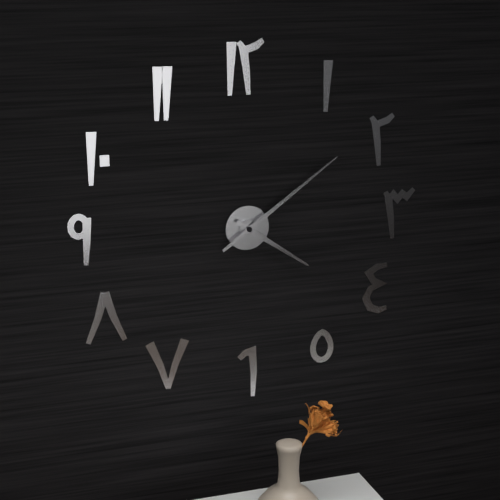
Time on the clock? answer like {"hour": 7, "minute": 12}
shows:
{"hour": 4, "minute": 9}
